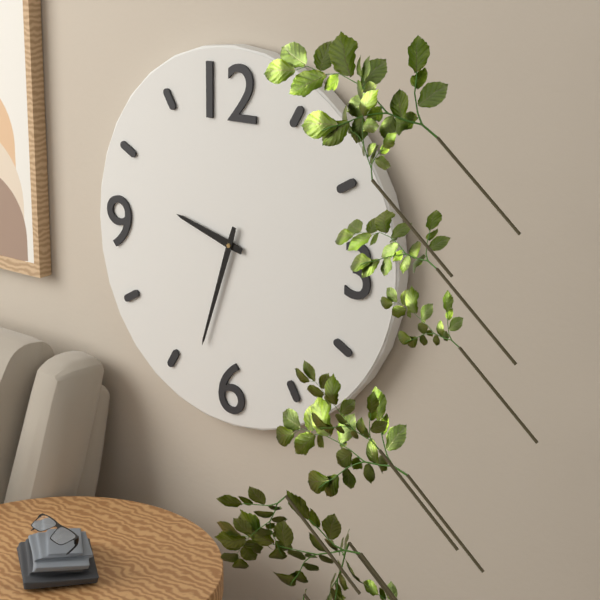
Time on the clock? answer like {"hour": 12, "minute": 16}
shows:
{"hour": 9, "minute": 33}
